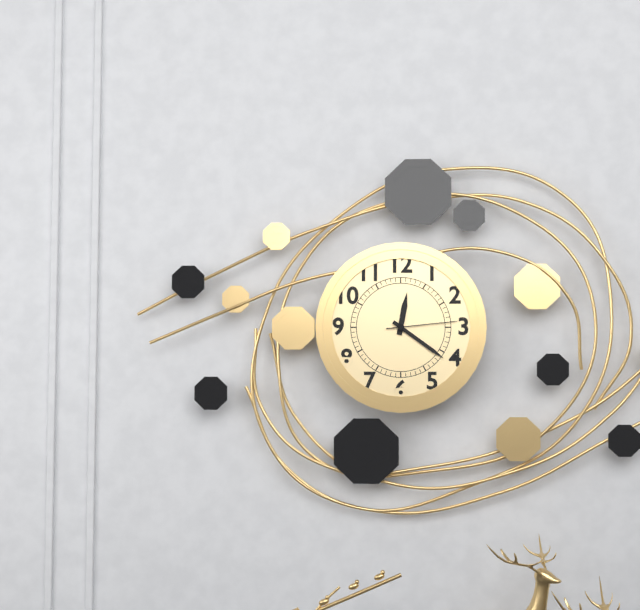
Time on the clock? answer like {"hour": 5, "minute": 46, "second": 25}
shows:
{"hour": 12, "minute": 21, "second": 14}
